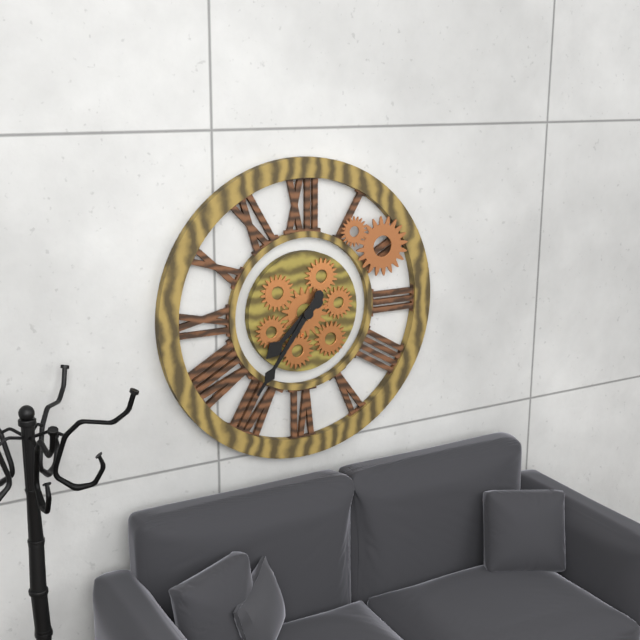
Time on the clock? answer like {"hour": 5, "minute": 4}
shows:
{"hour": 7, "minute": 36}
